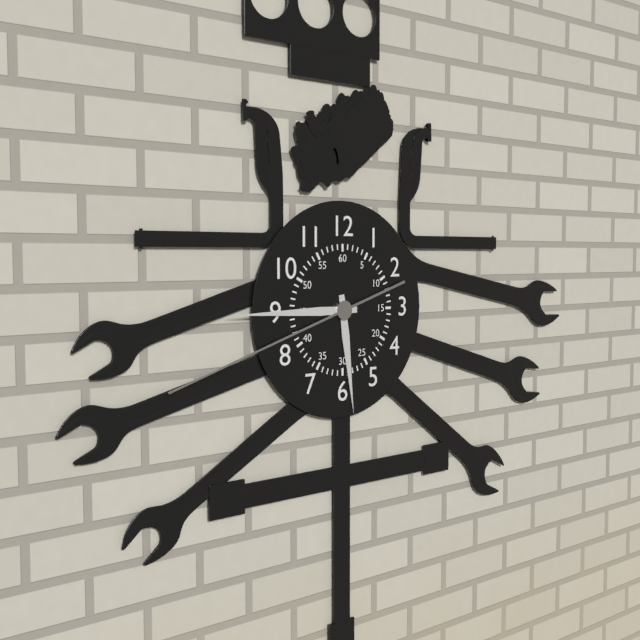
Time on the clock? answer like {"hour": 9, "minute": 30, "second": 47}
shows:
{"hour": 5, "minute": 45, "second": 42}
